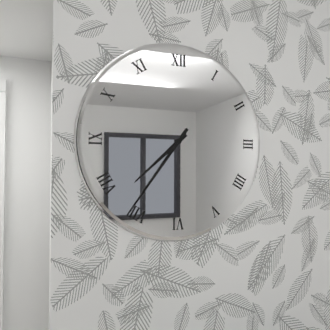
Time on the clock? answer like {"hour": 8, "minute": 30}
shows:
{"hour": 7, "minute": 36}
